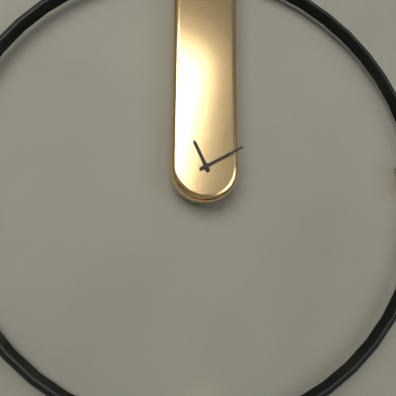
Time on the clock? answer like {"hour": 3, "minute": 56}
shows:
{"hour": 11, "minute": 10}
